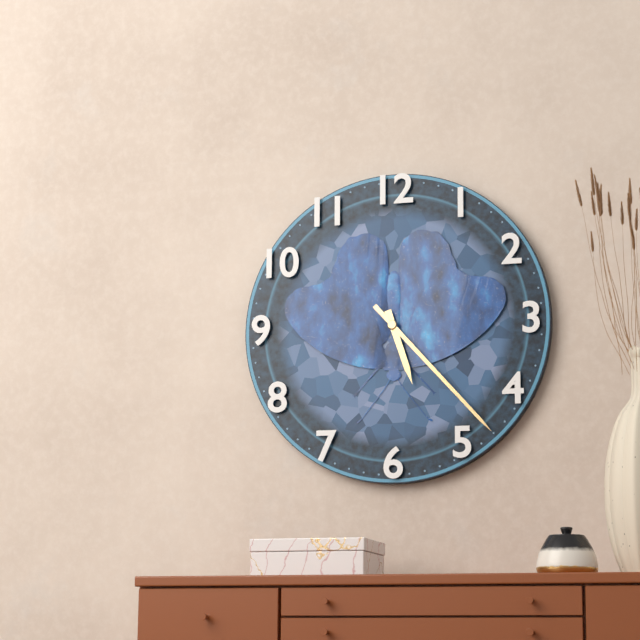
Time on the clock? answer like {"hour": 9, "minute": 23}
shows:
{"hour": 5, "minute": 23}
